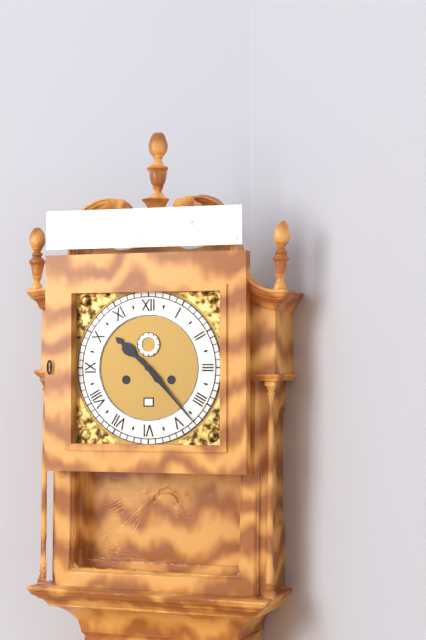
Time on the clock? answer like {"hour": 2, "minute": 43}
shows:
{"hour": 10, "minute": 23}
